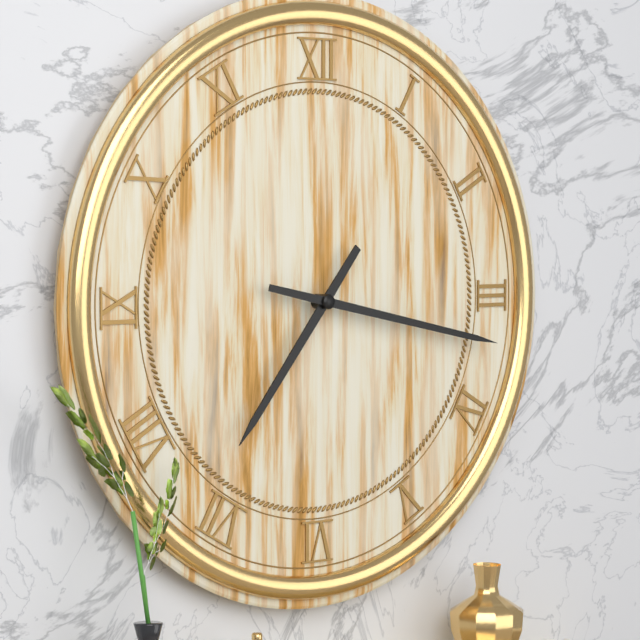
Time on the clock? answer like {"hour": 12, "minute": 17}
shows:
{"hour": 7, "minute": 17}
